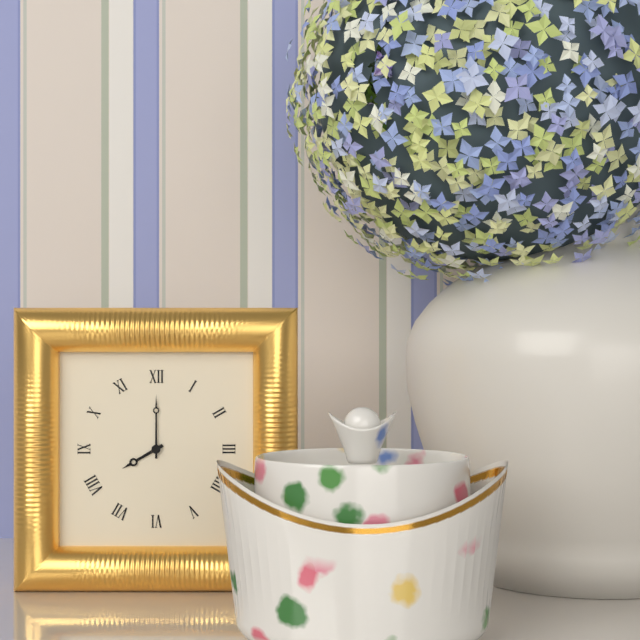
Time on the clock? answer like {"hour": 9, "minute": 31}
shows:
{"hour": 8, "minute": 0}
